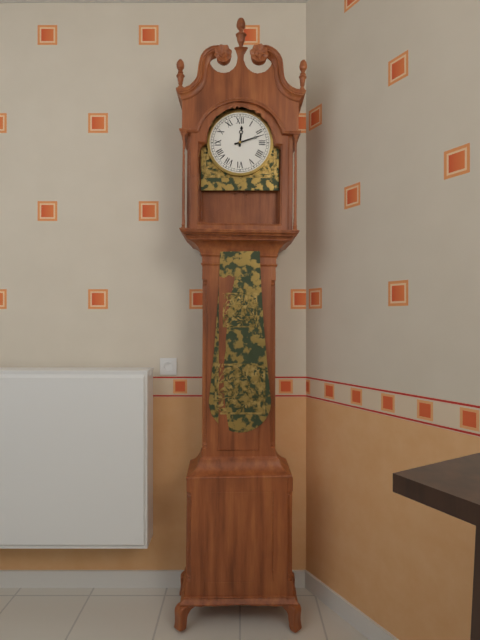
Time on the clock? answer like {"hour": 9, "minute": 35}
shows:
{"hour": 12, "minute": 12}
